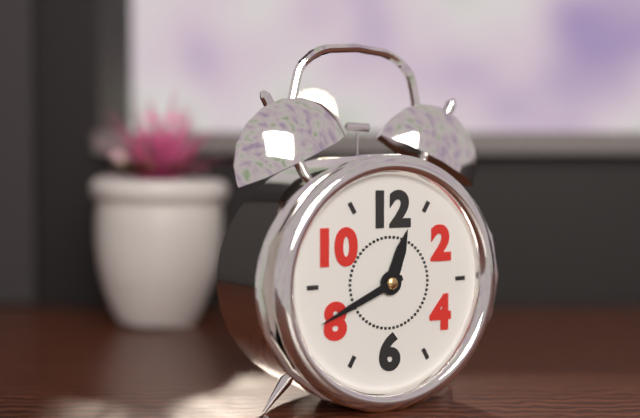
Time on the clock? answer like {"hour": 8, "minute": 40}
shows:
{"hour": 12, "minute": 41}
